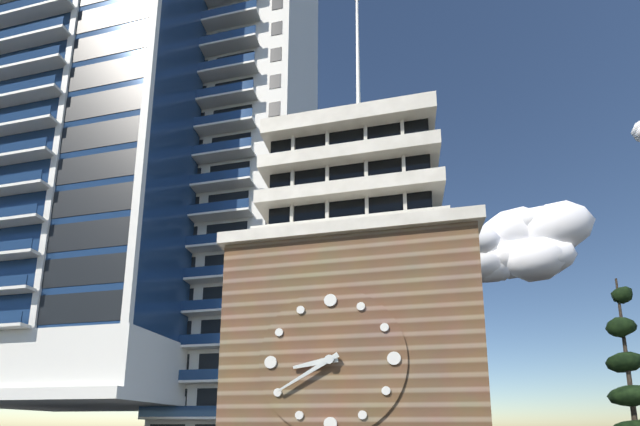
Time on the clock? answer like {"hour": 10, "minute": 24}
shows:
{"hour": 8, "minute": 40}
